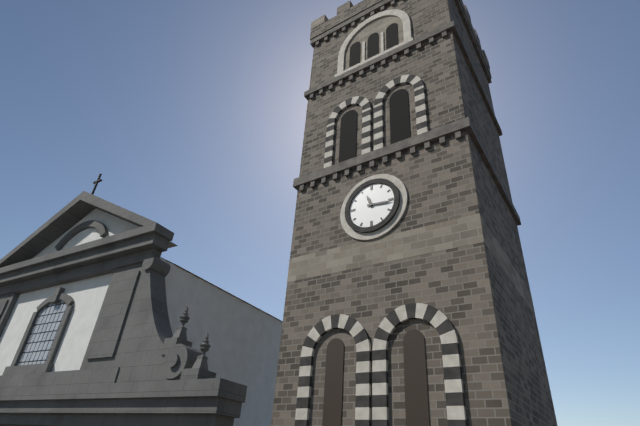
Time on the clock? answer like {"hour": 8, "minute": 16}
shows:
{"hour": 11, "minute": 16}
